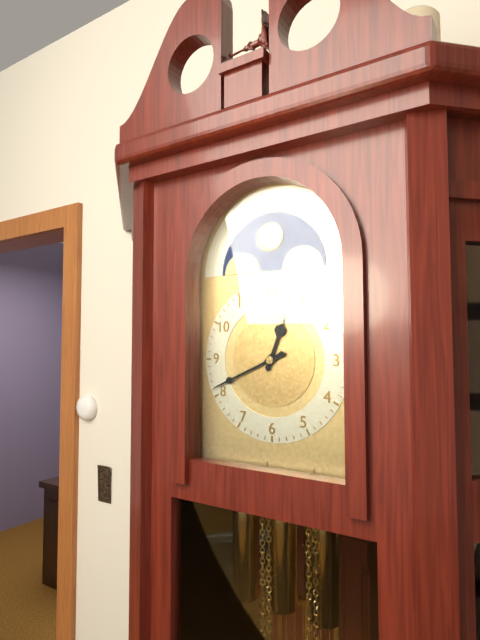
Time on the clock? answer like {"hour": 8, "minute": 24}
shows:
{"hour": 12, "minute": 41}
